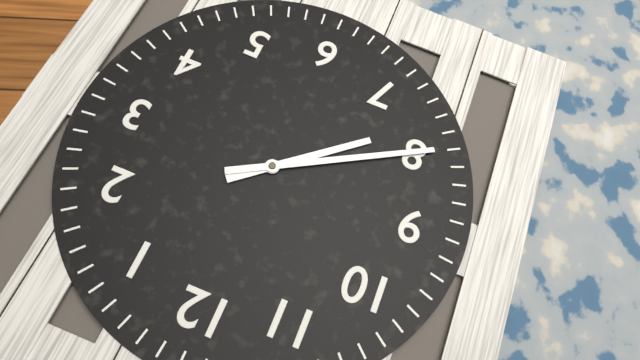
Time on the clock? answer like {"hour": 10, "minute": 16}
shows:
{"hour": 7, "minute": 40}
